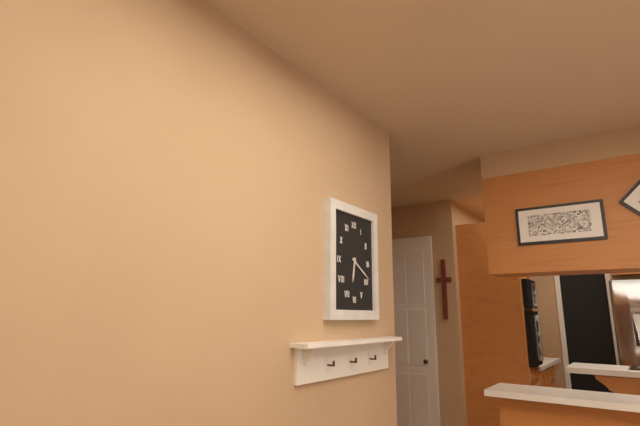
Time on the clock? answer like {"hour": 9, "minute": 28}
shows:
{"hour": 6, "minute": 20}
